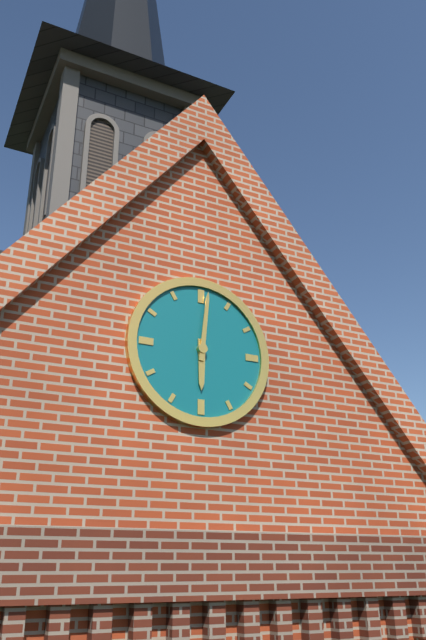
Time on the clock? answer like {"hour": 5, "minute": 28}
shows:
{"hour": 6, "minute": 1}
